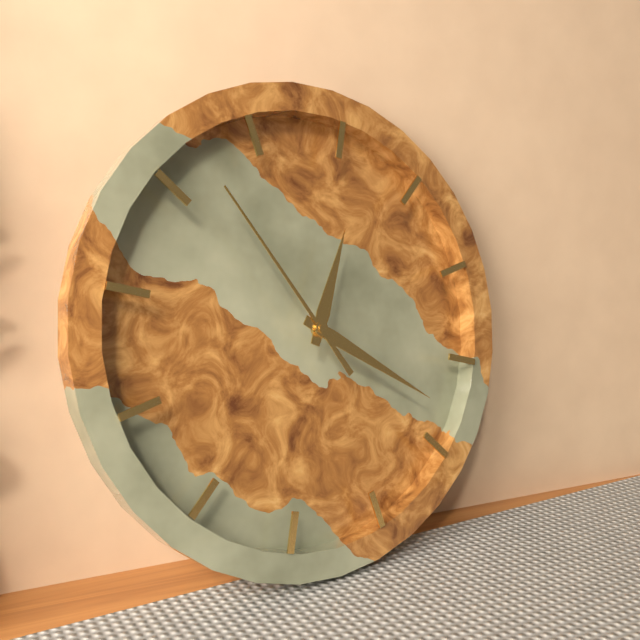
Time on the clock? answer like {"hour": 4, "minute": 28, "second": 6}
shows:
{"hour": 12, "minute": 18, "second": 52}
